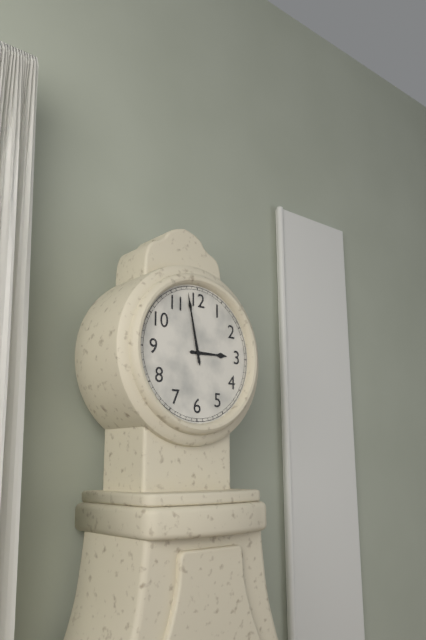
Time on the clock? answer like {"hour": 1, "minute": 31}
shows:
{"hour": 2, "minute": 58}
